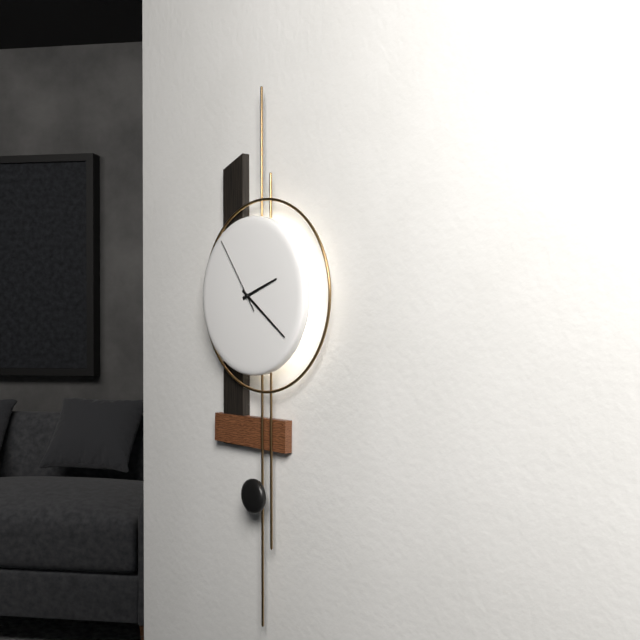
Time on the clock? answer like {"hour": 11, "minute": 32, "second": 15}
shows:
{"hour": 2, "minute": 21, "second": 54}
